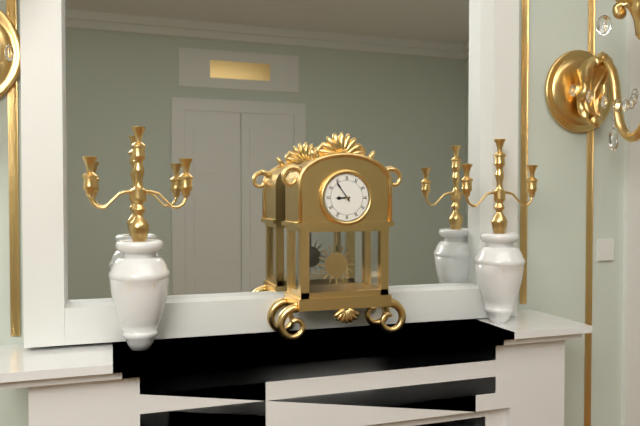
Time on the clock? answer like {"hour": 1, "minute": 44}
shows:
{"hour": 8, "minute": 54}
